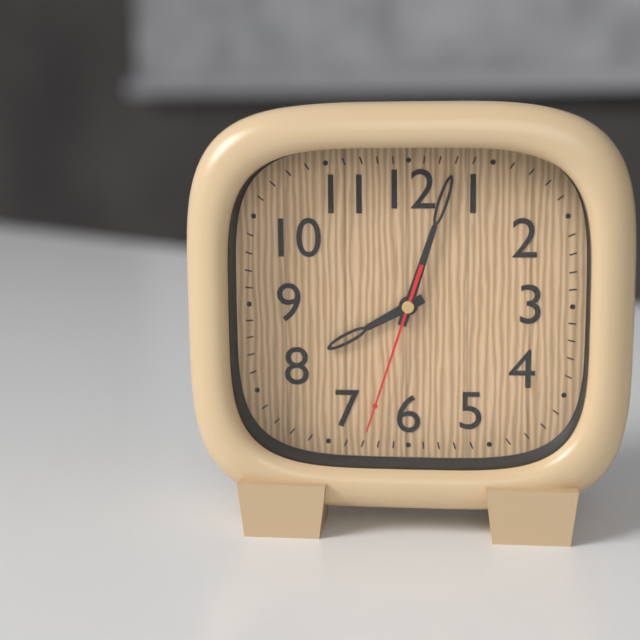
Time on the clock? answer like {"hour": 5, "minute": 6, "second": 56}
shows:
{"hour": 8, "minute": 3, "second": 33}
